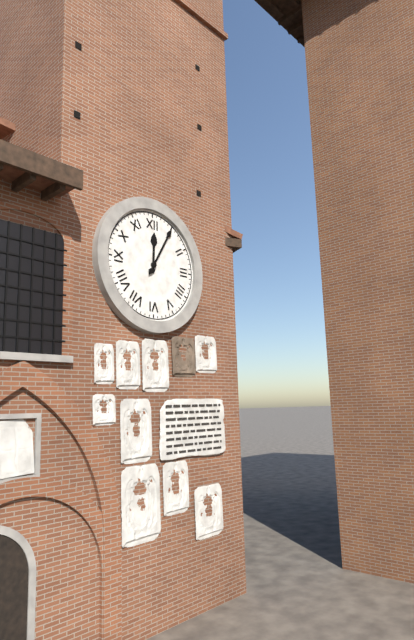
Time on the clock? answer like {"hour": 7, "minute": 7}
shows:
{"hour": 12, "minute": 5}
